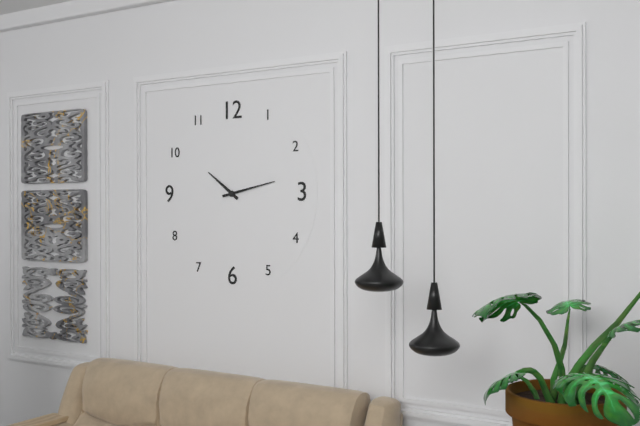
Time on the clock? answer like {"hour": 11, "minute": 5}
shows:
{"hour": 10, "minute": 13}
